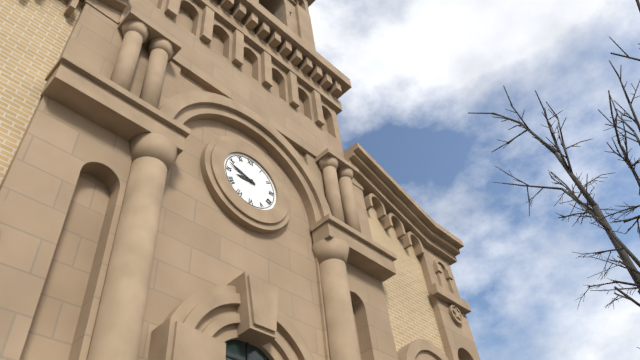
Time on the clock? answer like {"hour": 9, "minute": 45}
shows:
{"hour": 8, "minute": 48}
